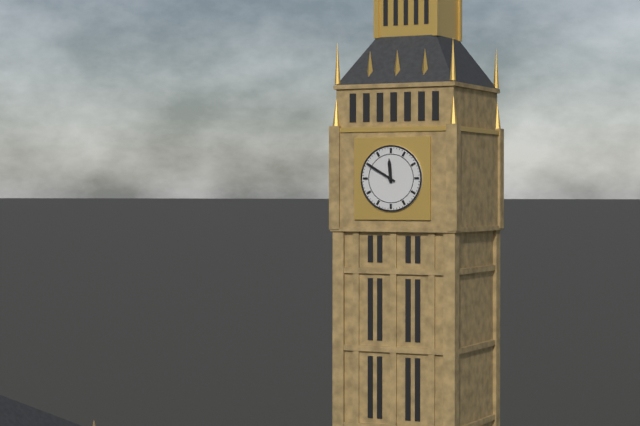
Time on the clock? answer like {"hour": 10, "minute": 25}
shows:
{"hour": 11, "minute": 50}
